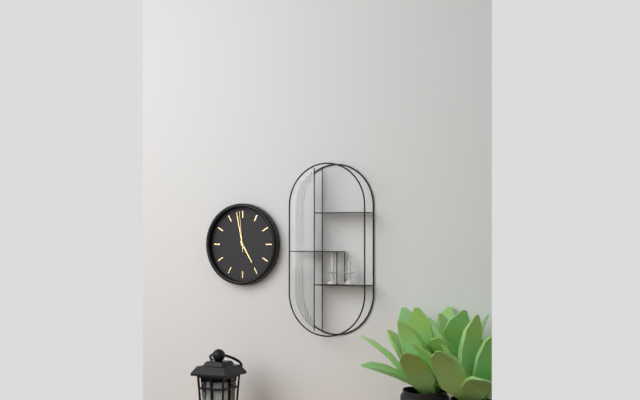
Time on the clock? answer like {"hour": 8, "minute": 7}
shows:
{"hour": 4, "minute": 58}
